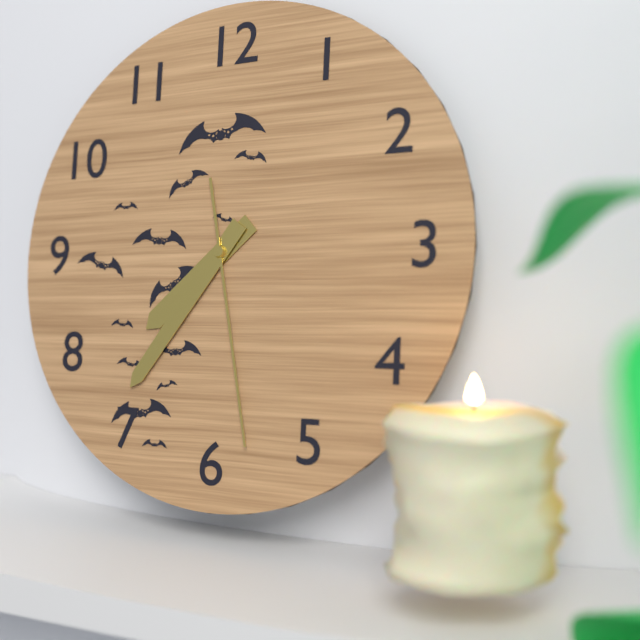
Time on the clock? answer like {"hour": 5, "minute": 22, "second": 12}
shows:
{"hour": 7, "minute": 36, "second": 28}
